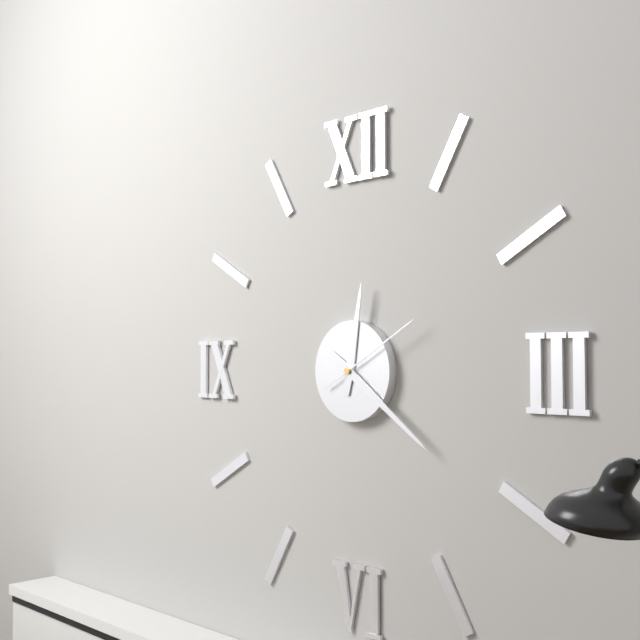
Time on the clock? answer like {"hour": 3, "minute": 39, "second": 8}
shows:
{"hour": 12, "minute": 21, "second": 10}
